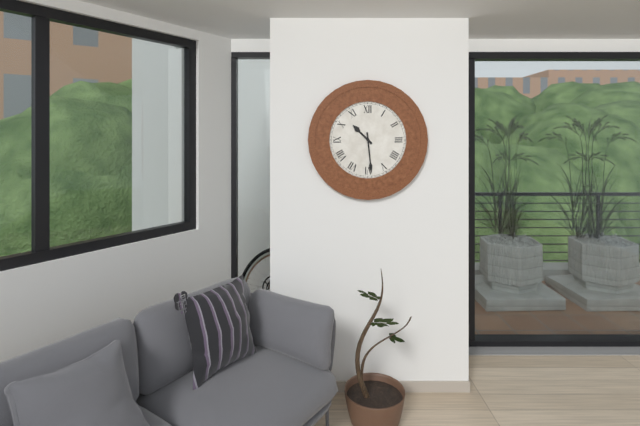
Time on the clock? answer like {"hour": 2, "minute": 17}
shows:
{"hour": 10, "minute": 29}
